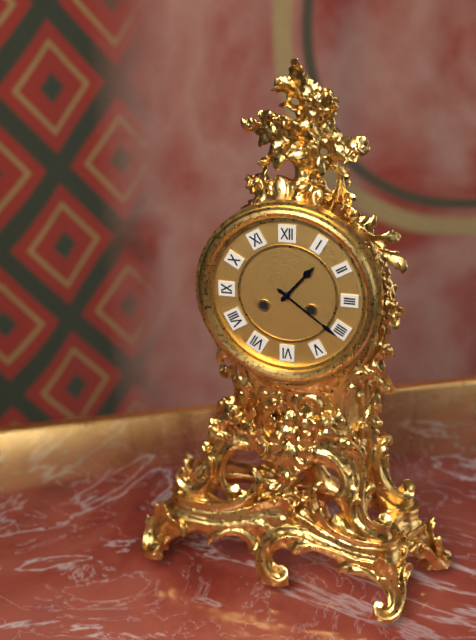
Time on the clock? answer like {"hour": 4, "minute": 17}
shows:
{"hour": 1, "minute": 21}
